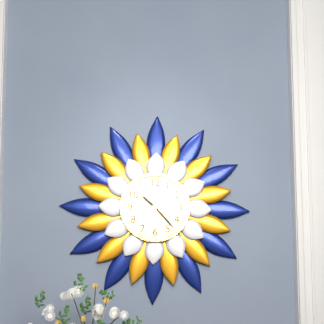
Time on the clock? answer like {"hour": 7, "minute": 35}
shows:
{"hour": 10, "minute": 23}
